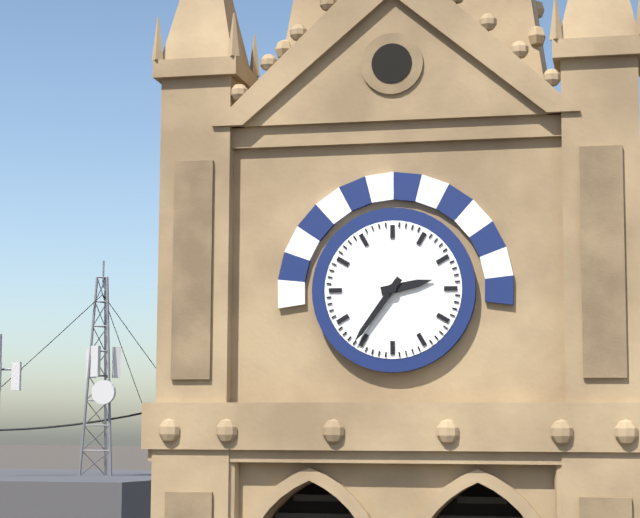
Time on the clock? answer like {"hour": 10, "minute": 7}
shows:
{"hour": 2, "minute": 36}
